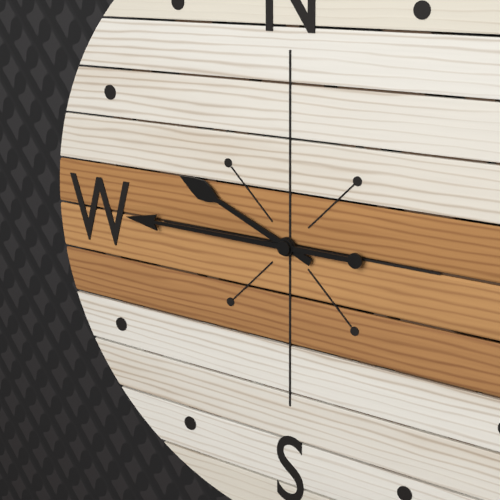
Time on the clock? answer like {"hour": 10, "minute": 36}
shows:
{"hour": 9, "minute": 45}
